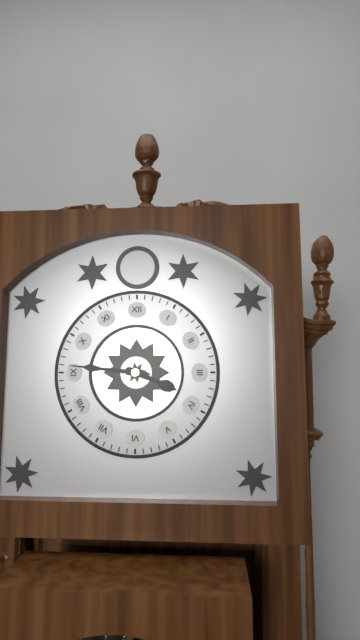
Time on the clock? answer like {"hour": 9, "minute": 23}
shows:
{"hour": 3, "minute": 46}
